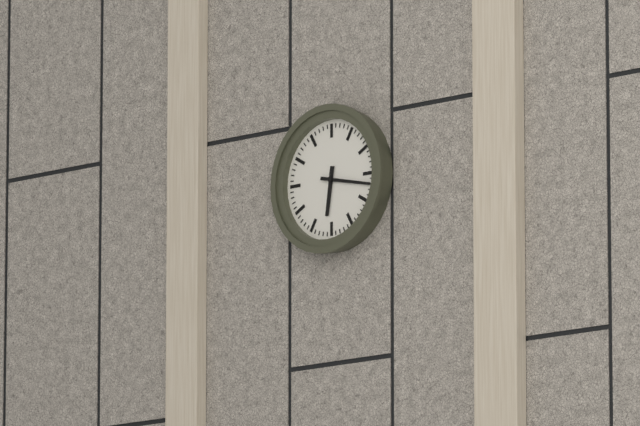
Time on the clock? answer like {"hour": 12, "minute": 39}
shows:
{"hour": 6, "minute": 17}
